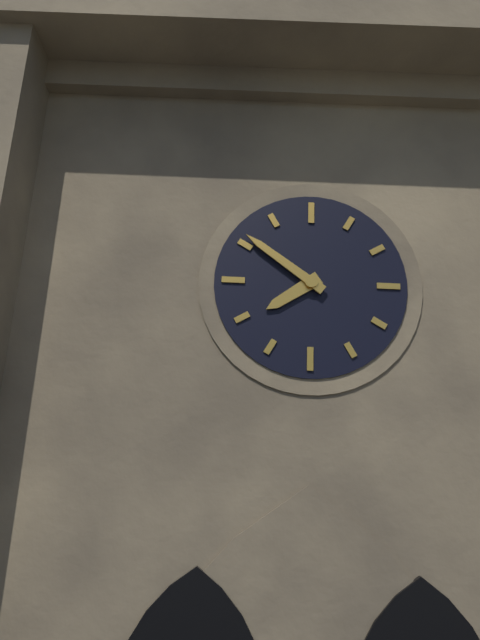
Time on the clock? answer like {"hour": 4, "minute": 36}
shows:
{"hour": 7, "minute": 51}
